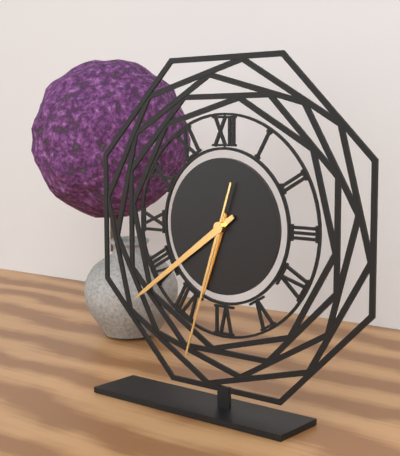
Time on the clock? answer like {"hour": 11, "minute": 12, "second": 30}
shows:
{"hour": 6, "minute": 39, "second": 33}
